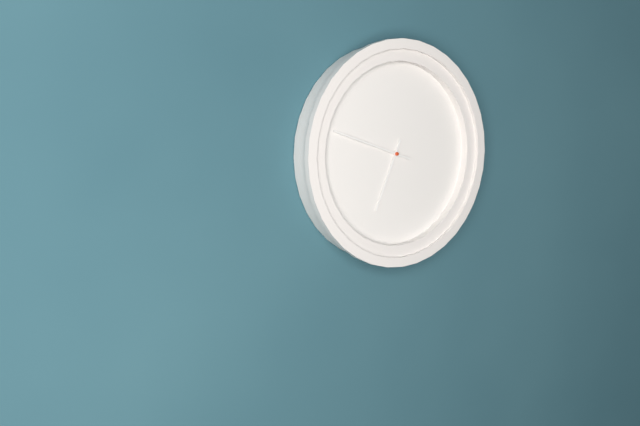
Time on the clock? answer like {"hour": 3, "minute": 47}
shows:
{"hour": 6, "minute": 48}
